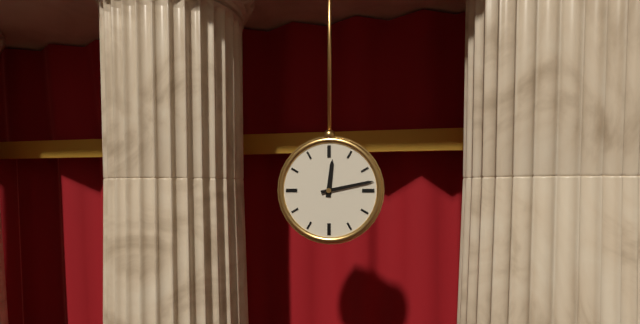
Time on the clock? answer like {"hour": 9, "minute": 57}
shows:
{"hour": 12, "minute": 13}
